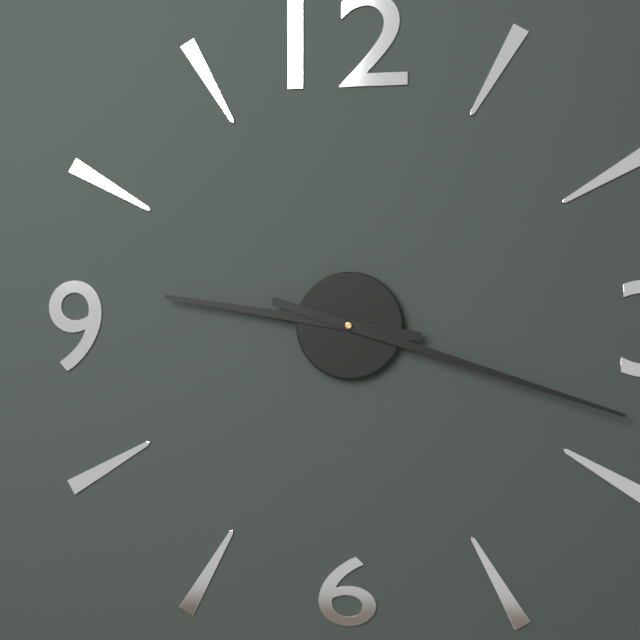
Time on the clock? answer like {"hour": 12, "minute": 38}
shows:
{"hour": 9, "minute": 18}
